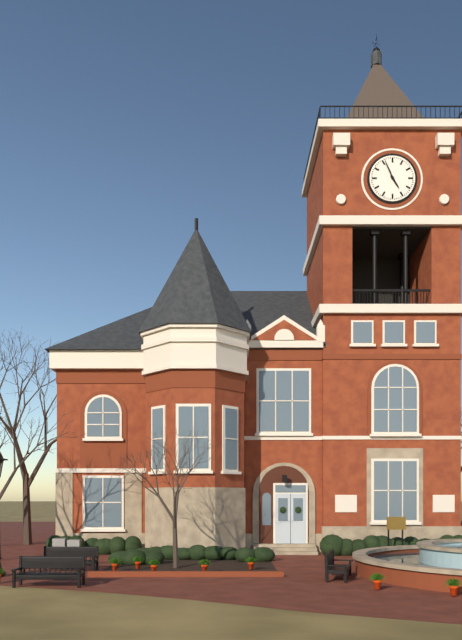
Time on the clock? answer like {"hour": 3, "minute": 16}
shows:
{"hour": 4, "minute": 56}
